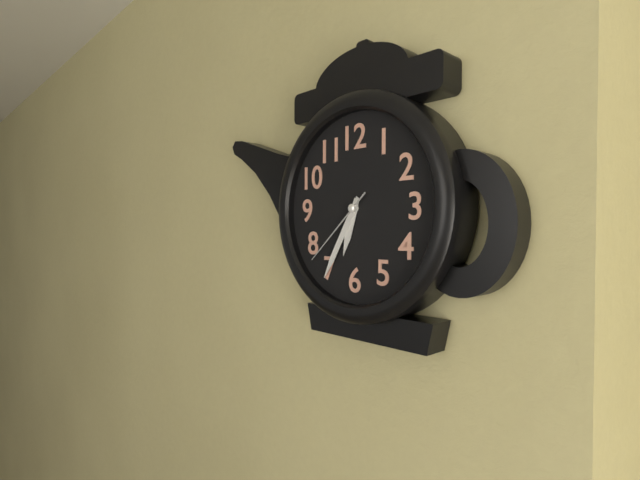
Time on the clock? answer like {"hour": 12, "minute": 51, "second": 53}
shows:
{"hour": 6, "minute": 35, "second": 38}
